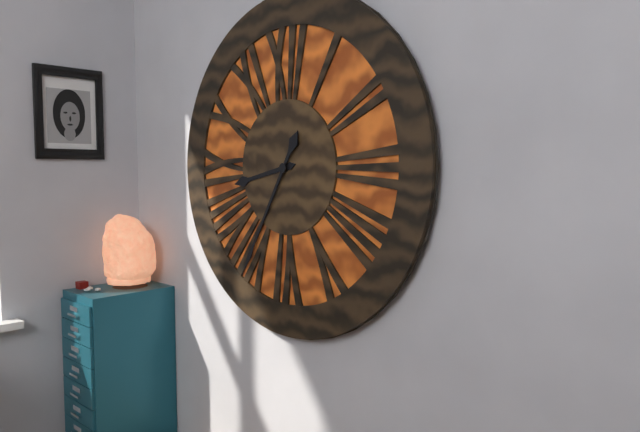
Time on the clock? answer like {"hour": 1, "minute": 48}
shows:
{"hour": 8, "minute": 35}
